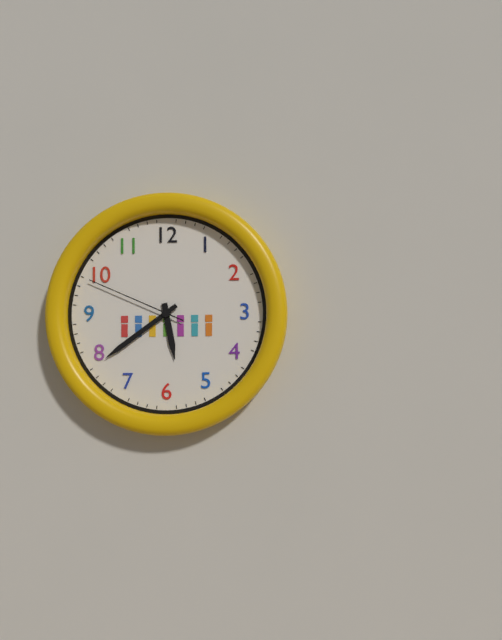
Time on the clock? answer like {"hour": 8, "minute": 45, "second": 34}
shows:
{"hour": 5, "minute": 39, "second": 49}
